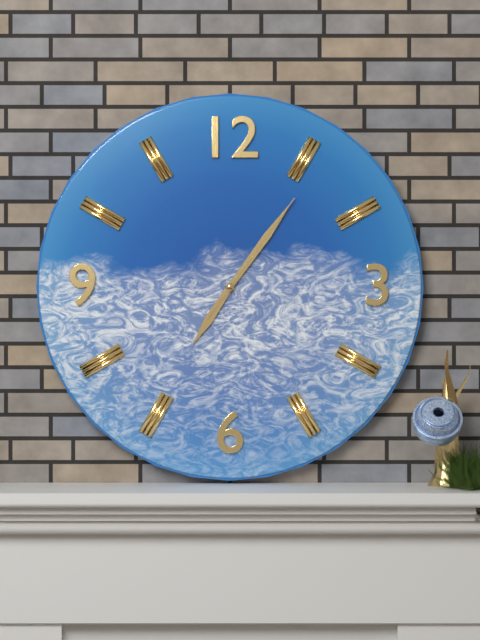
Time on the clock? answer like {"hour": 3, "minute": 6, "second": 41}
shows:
{"hour": 7, "minute": 6, "second": 6}
